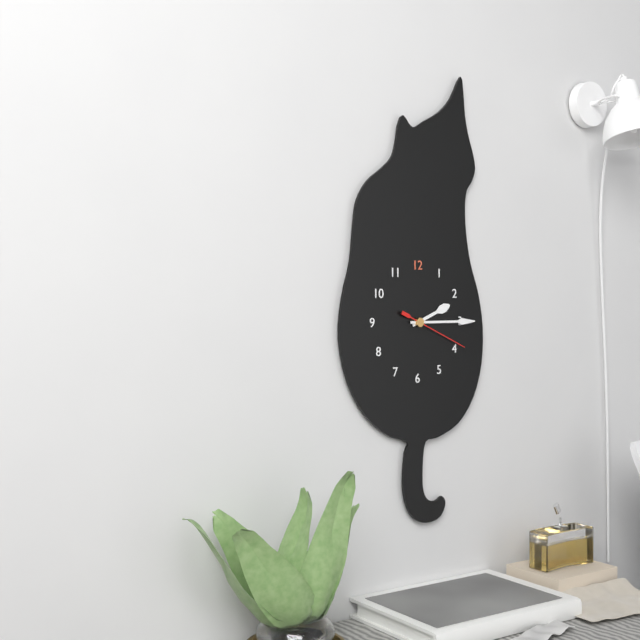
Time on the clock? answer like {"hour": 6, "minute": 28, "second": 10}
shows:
{"hour": 2, "minute": 15, "second": 19}
